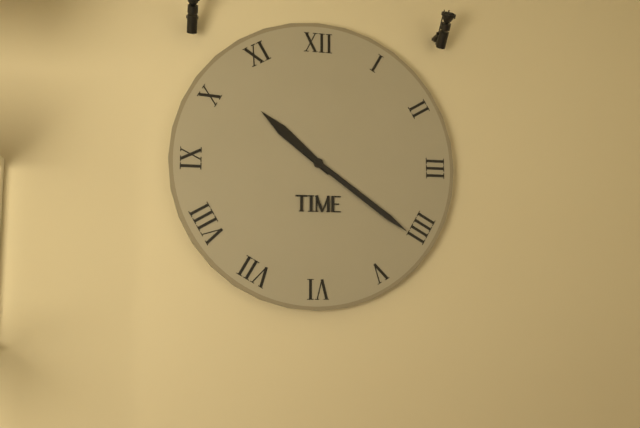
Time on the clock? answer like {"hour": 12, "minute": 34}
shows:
{"hour": 10, "minute": 21}
